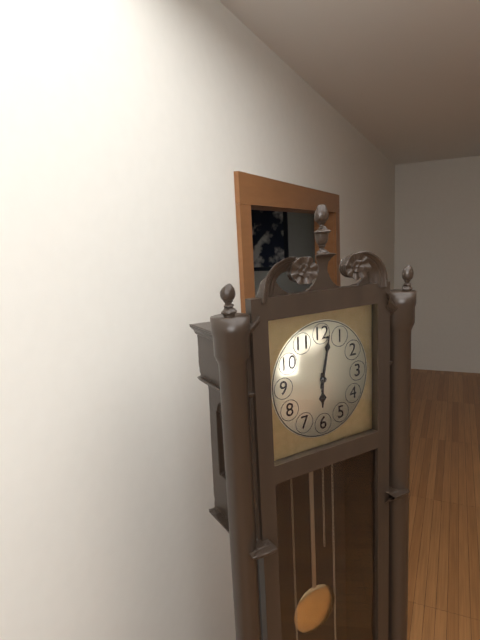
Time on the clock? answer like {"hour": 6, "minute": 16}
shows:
{"hour": 6, "minute": 2}
